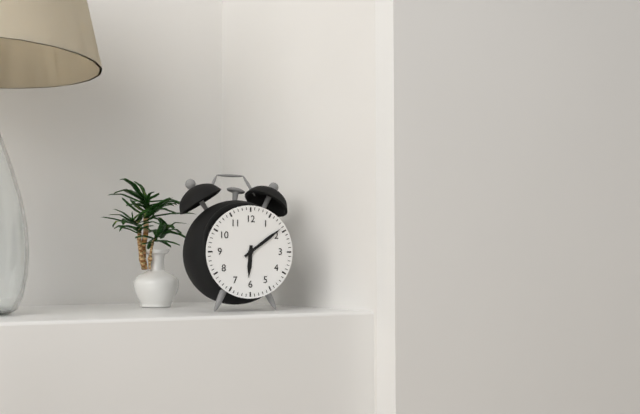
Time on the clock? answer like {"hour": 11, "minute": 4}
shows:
{"hour": 6, "minute": 9}
